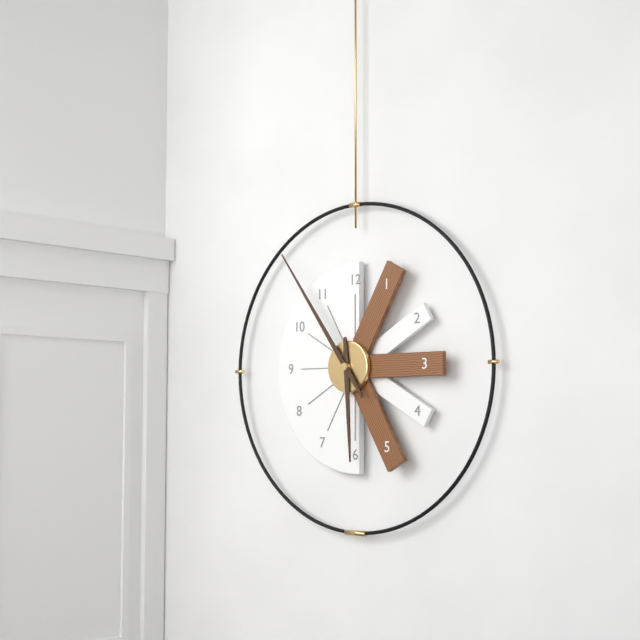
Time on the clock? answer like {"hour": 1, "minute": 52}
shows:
{"hour": 5, "minute": 54}
